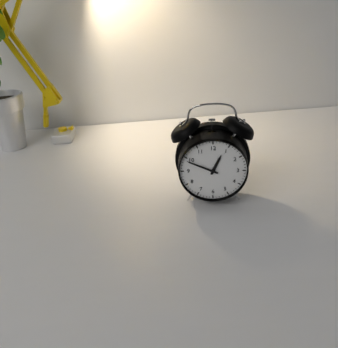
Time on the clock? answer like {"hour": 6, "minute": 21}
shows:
{"hour": 12, "minute": 49}
